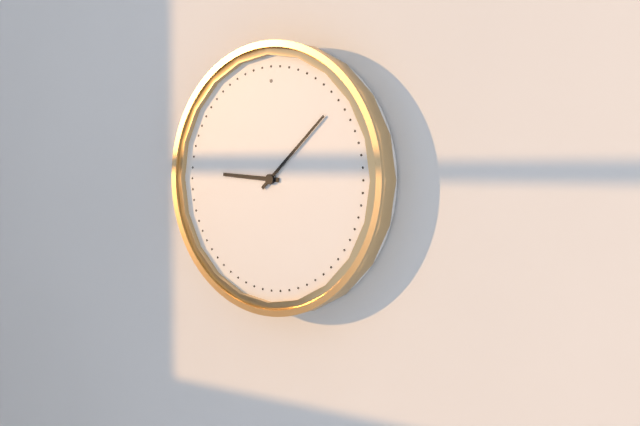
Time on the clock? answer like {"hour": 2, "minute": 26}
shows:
{"hour": 9, "minute": 8}
